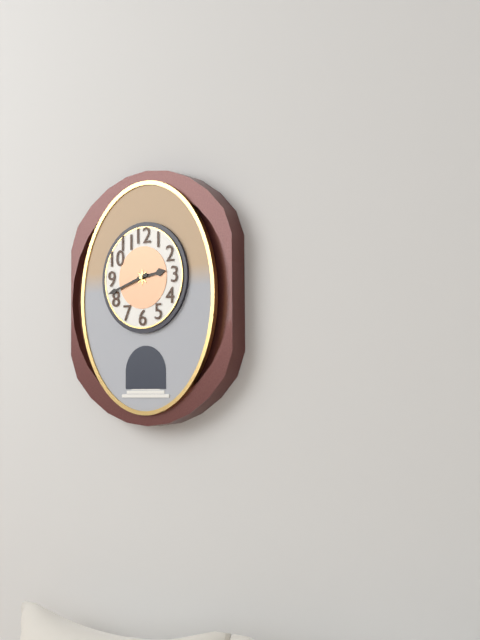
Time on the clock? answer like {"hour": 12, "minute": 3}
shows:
{"hour": 2, "minute": 42}
